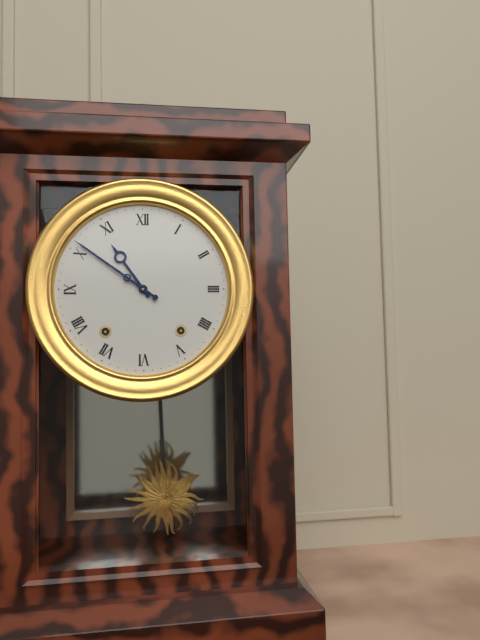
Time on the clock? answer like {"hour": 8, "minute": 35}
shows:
{"hour": 10, "minute": 51}
